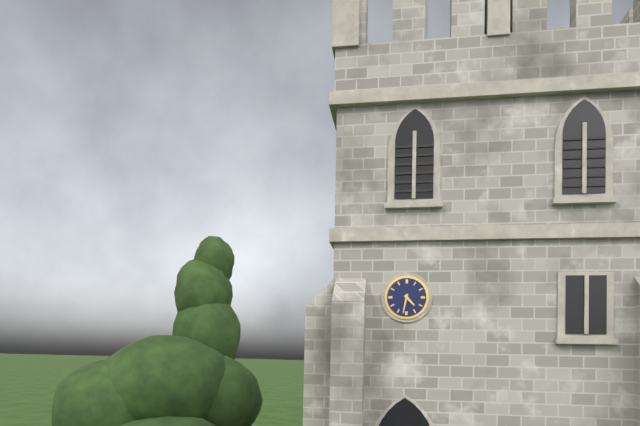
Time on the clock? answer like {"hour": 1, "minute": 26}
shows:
{"hour": 4, "minute": 32}
